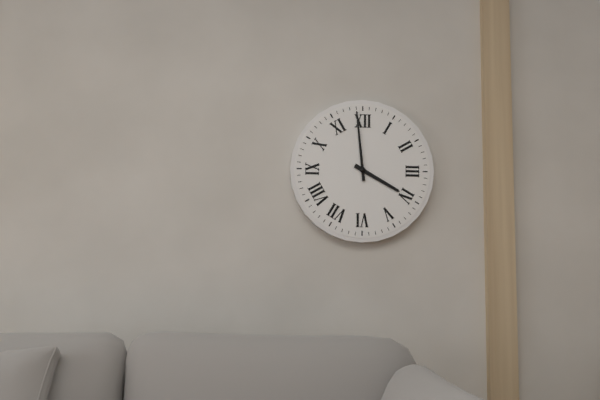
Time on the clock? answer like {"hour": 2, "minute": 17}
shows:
{"hour": 3, "minute": 59}
